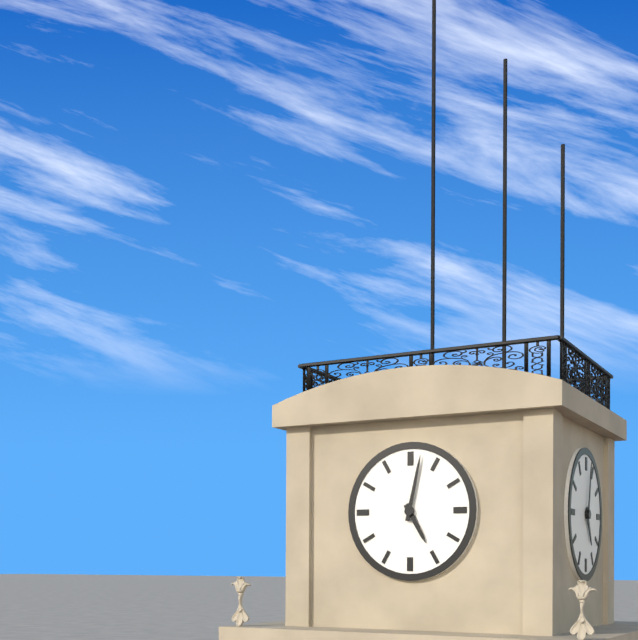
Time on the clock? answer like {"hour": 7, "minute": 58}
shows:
{"hour": 5, "minute": 2}
